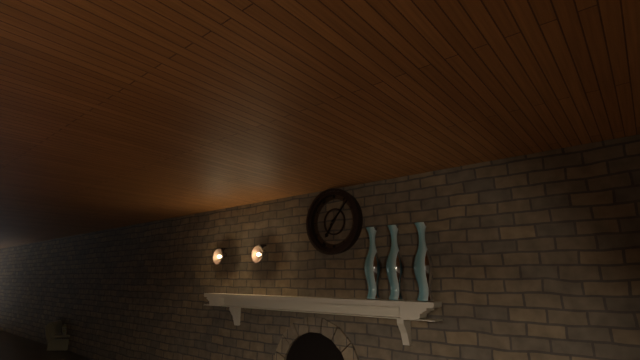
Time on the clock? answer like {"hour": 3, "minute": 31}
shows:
{"hour": 7, "minute": 7}
